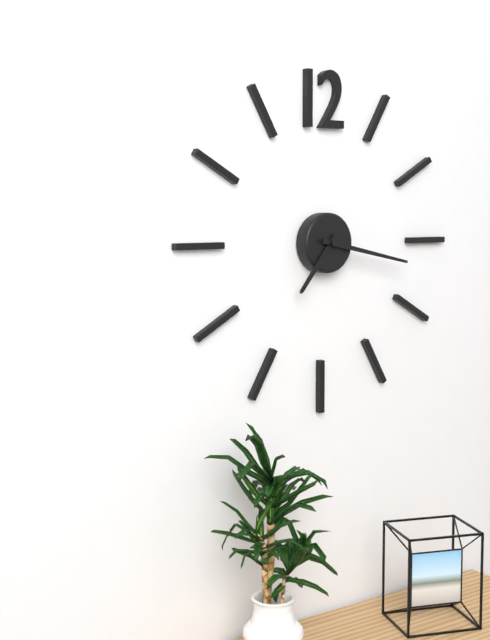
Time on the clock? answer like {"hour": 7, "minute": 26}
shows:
{"hour": 7, "minute": 17}
